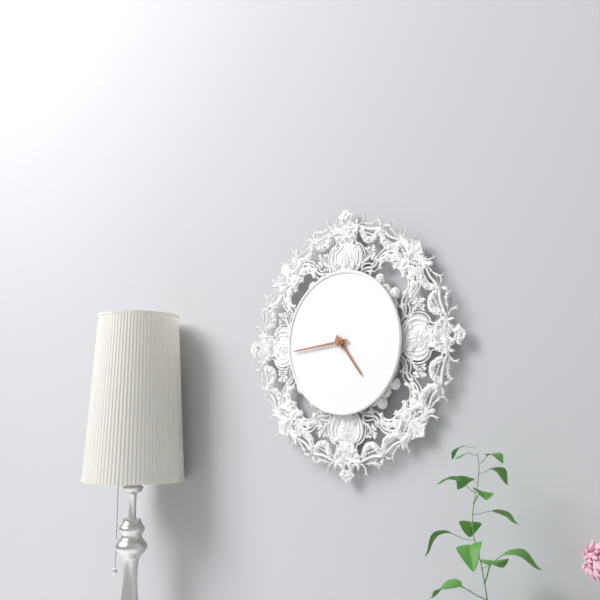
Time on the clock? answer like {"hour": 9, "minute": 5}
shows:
{"hour": 4, "minute": 44}
